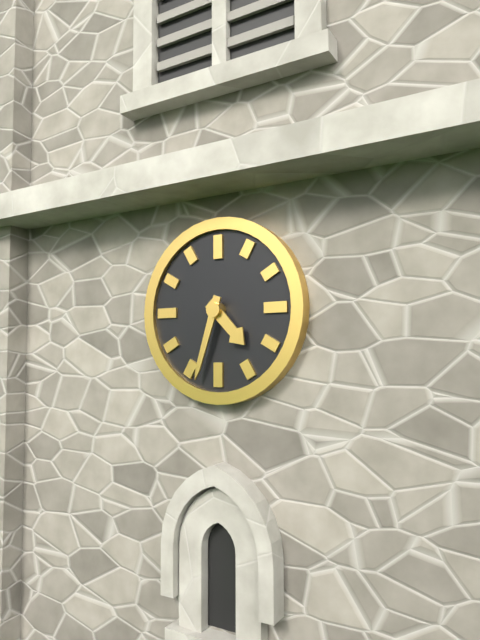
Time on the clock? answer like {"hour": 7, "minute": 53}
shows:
{"hour": 4, "minute": 33}
